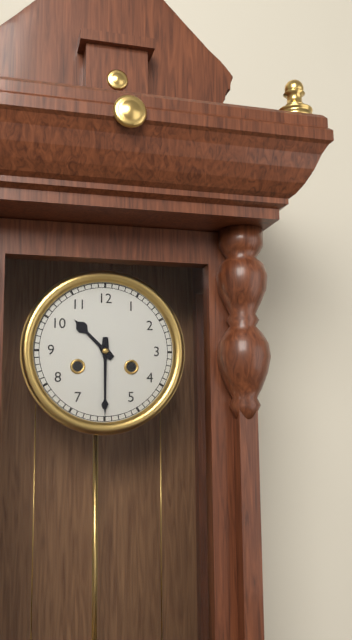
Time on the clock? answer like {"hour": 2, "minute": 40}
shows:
{"hour": 10, "minute": 30}
